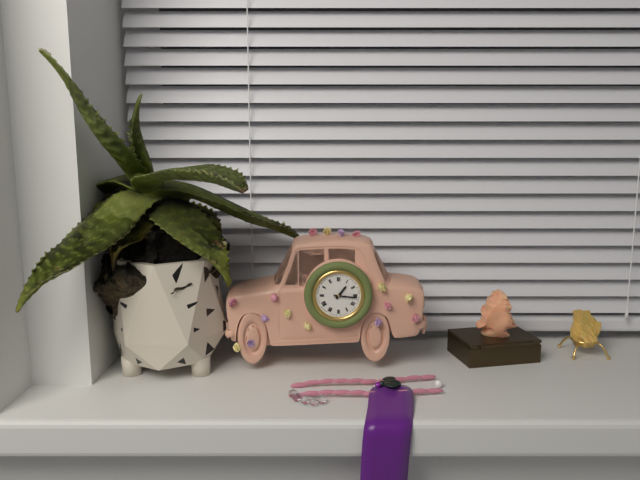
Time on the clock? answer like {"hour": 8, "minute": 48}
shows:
{"hour": 1, "minute": 16}
